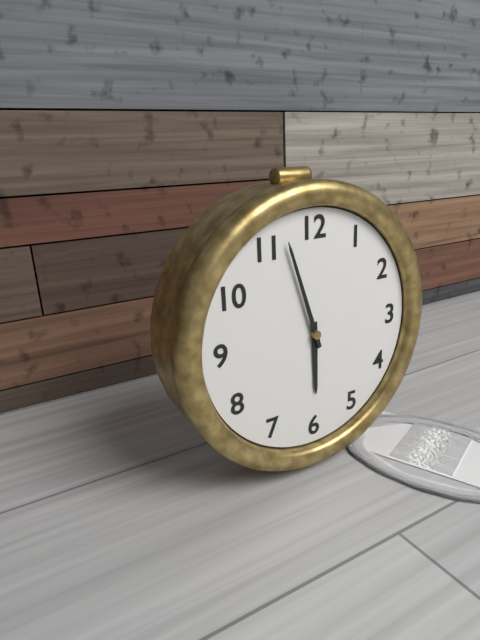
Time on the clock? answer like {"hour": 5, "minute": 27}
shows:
{"hour": 5, "minute": 57}
